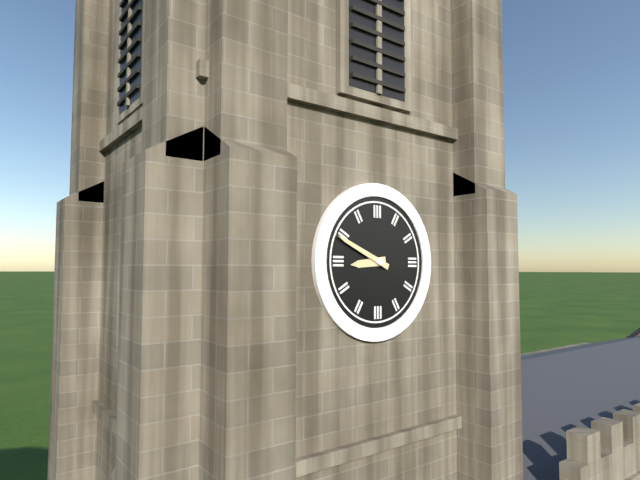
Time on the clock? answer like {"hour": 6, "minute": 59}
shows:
{"hour": 8, "minute": 49}
